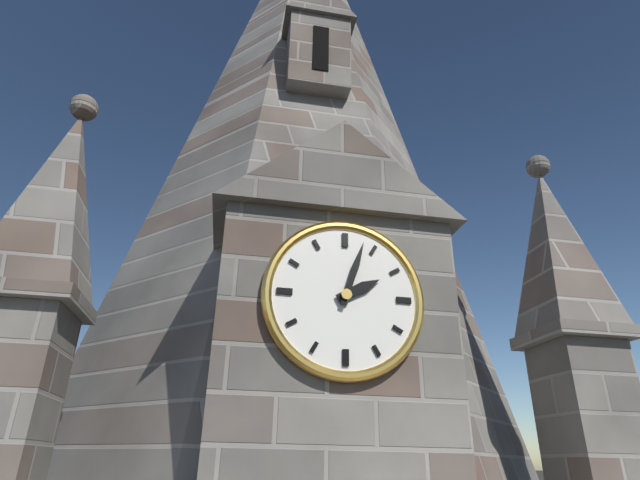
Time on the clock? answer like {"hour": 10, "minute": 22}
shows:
{"hour": 2, "minute": 3}
